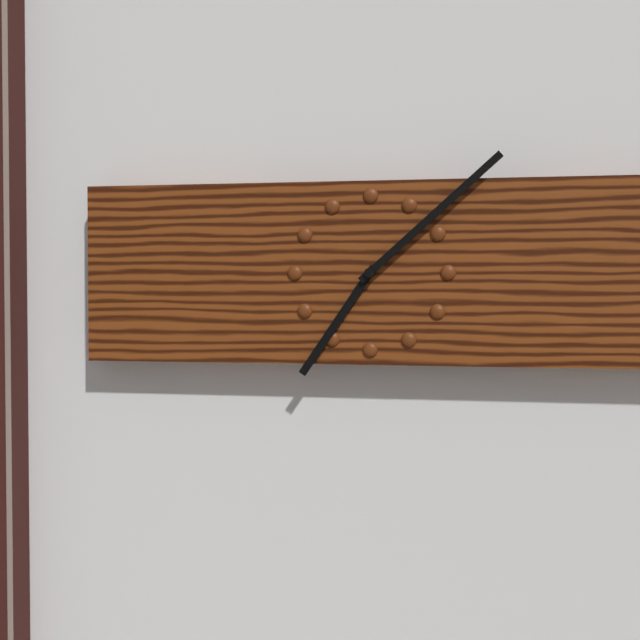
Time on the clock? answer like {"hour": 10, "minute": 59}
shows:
{"hour": 7, "minute": 8}
